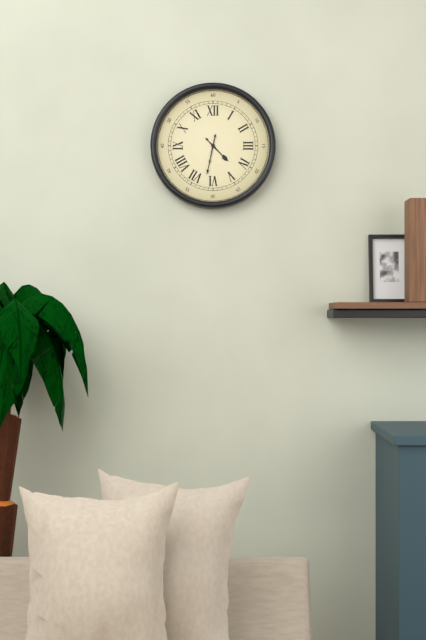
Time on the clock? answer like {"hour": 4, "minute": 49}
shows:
{"hour": 4, "minute": 32}
